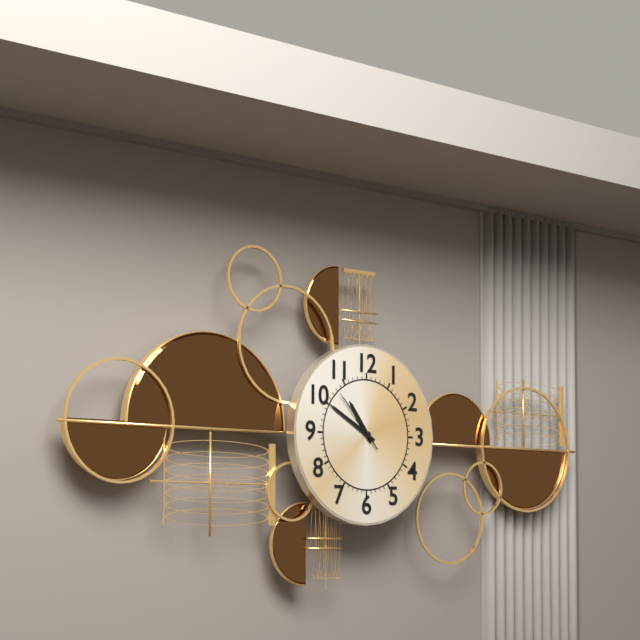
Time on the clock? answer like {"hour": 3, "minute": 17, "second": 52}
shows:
{"hour": 10, "minute": 50, "second": 53}
